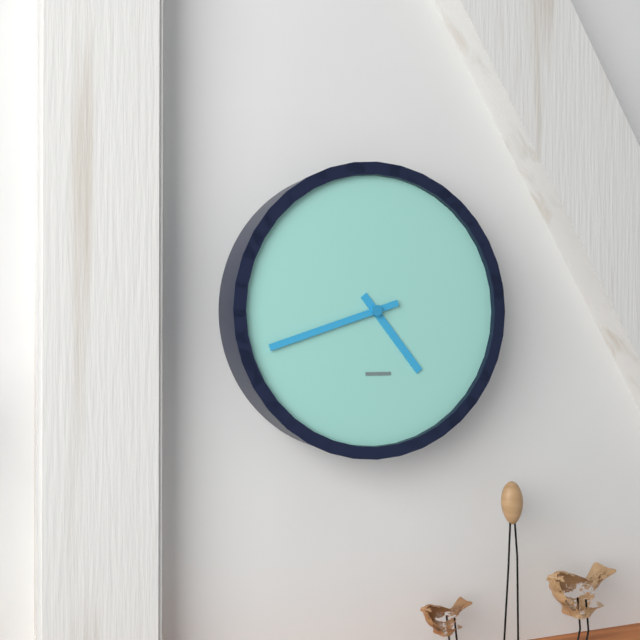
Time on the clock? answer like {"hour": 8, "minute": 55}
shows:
{"hour": 4, "minute": 42}
